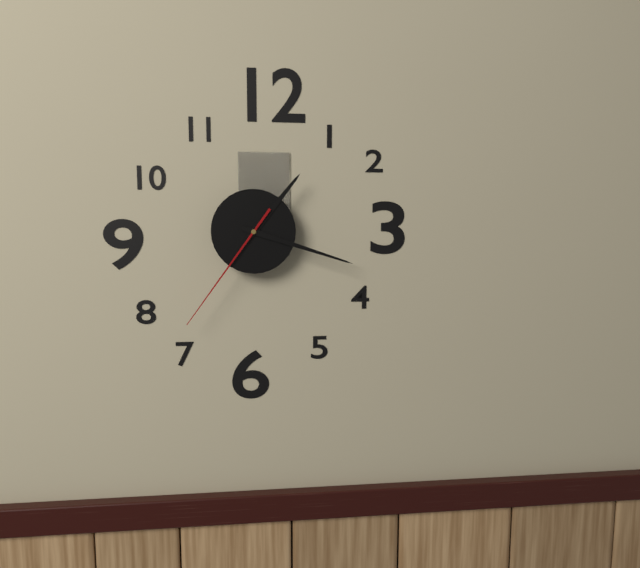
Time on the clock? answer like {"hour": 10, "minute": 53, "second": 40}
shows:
{"hour": 1, "minute": 18, "second": 36}
